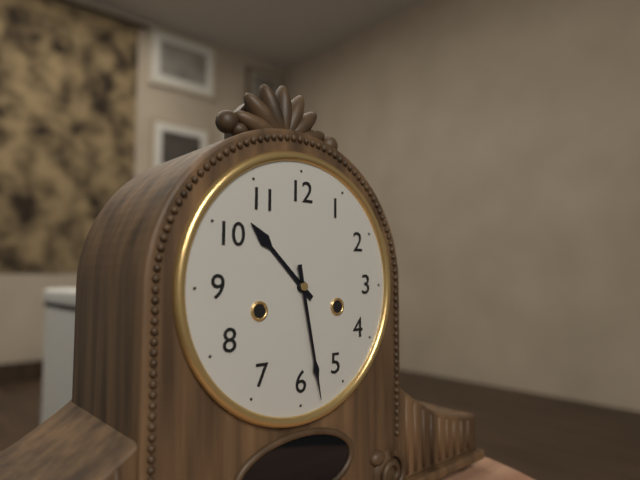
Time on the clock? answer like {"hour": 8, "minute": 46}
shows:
{"hour": 10, "minute": 28}
